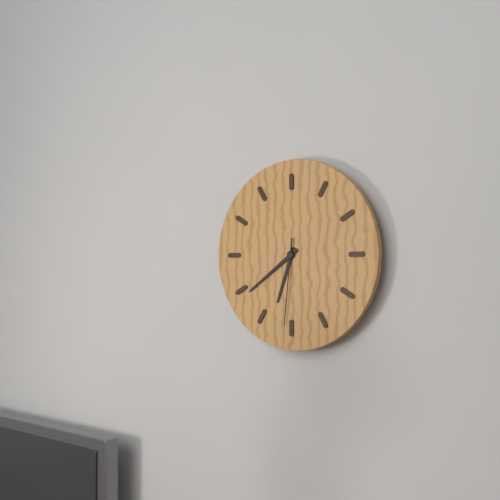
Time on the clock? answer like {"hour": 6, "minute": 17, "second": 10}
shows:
{"hour": 6, "minute": 39, "second": 31}
